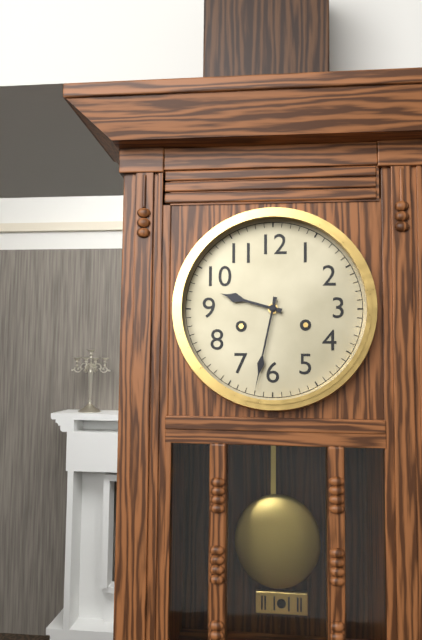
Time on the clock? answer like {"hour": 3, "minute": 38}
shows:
{"hour": 9, "minute": 32}
